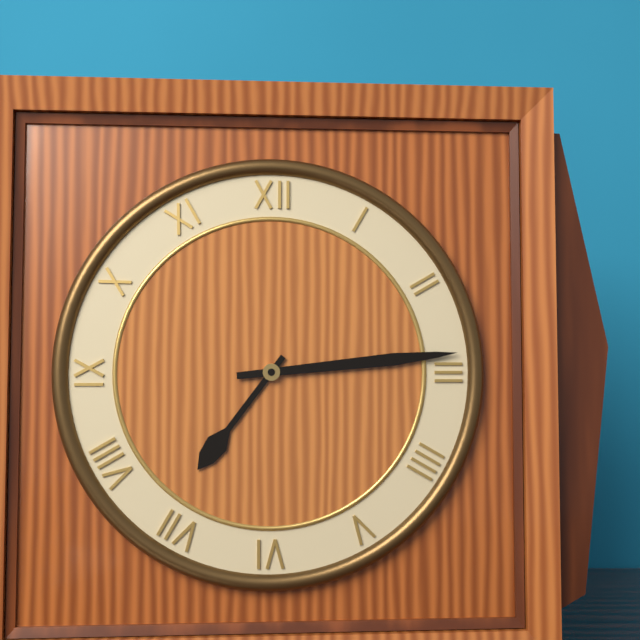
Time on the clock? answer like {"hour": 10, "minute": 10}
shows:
{"hour": 7, "minute": 14}
